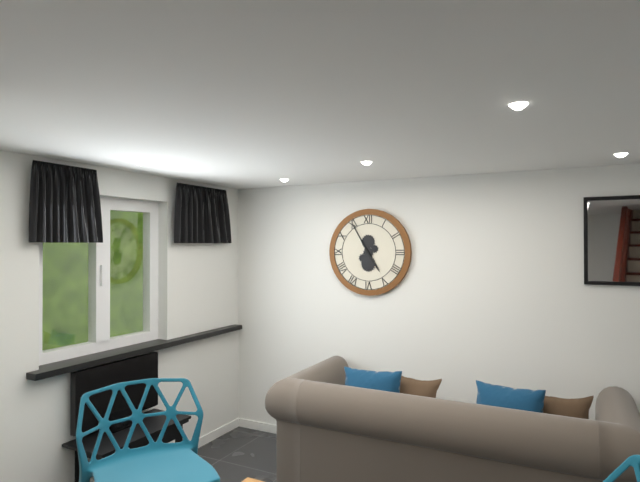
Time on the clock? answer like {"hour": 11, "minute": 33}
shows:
{"hour": 4, "minute": 55}
